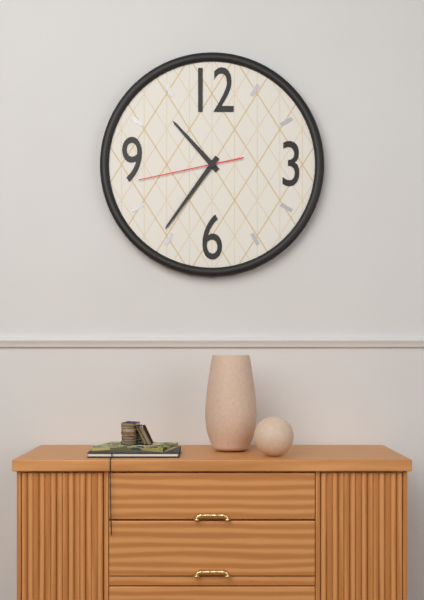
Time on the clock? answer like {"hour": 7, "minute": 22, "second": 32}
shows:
{"hour": 10, "minute": 36, "second": 43}
